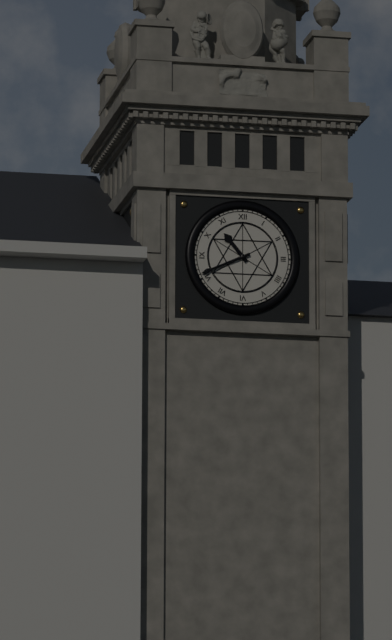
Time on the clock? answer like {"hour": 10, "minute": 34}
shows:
{"hour": 10, "minute": 41}
